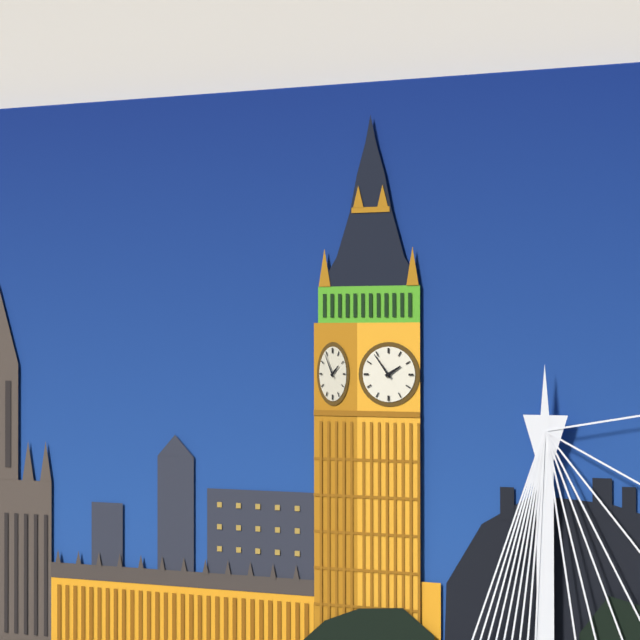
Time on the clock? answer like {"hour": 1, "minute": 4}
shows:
{"hour": 1, "minute": 54}
